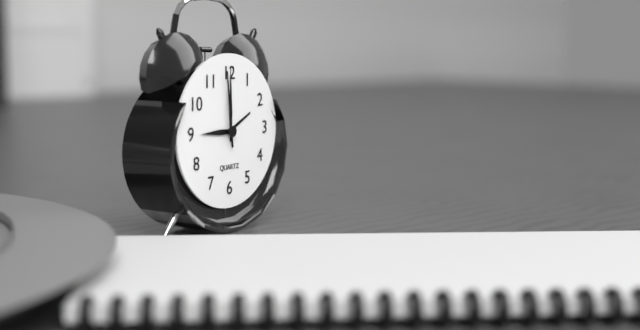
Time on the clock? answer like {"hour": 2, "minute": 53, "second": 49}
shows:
{"hour": 9, "minute": 0, "second": 59}
